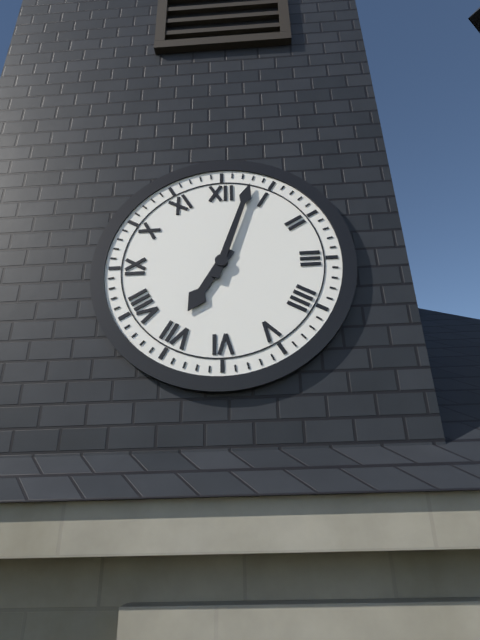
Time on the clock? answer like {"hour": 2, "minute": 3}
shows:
{"hour": 7, "minute": 3}
